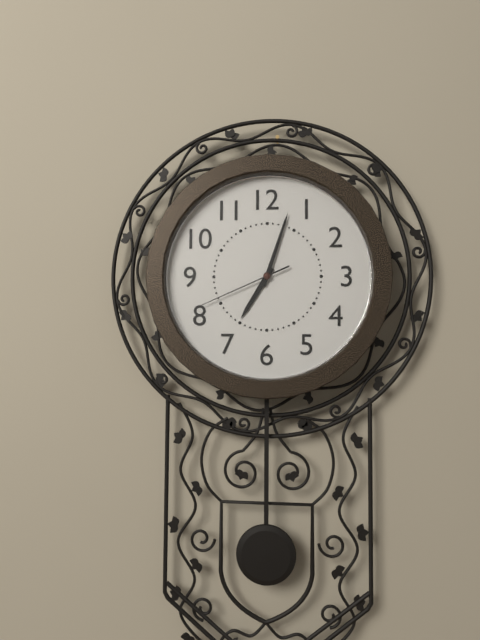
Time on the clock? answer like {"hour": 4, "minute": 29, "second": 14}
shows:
{"hour": 7, "minute": 3, "second": 41}
